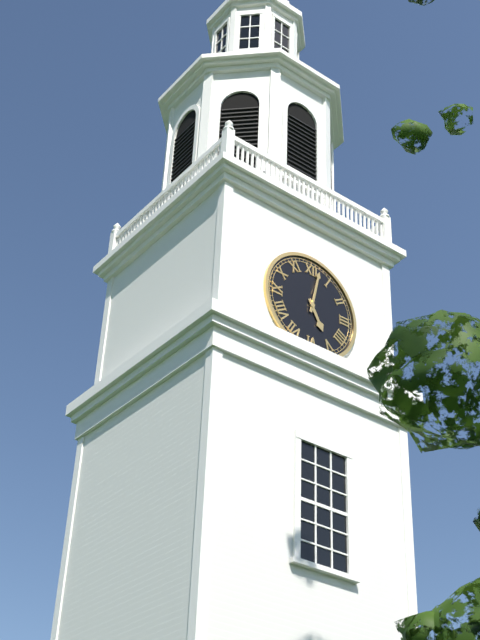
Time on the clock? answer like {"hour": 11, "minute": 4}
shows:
{"hour": 5, "minute": 2}
